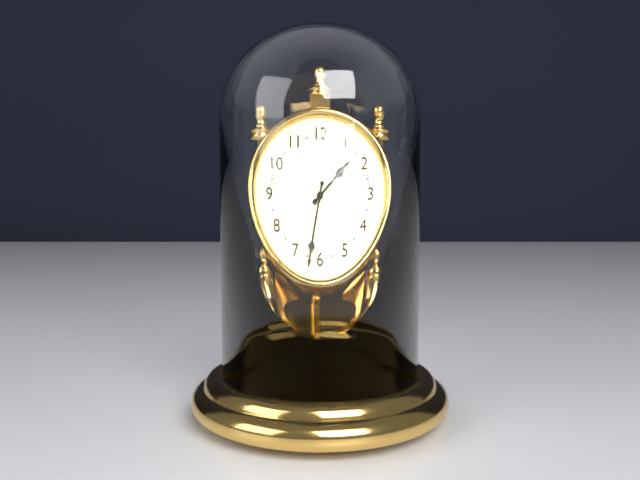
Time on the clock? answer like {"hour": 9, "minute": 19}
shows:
{"hour": 1, "minute": 32}
